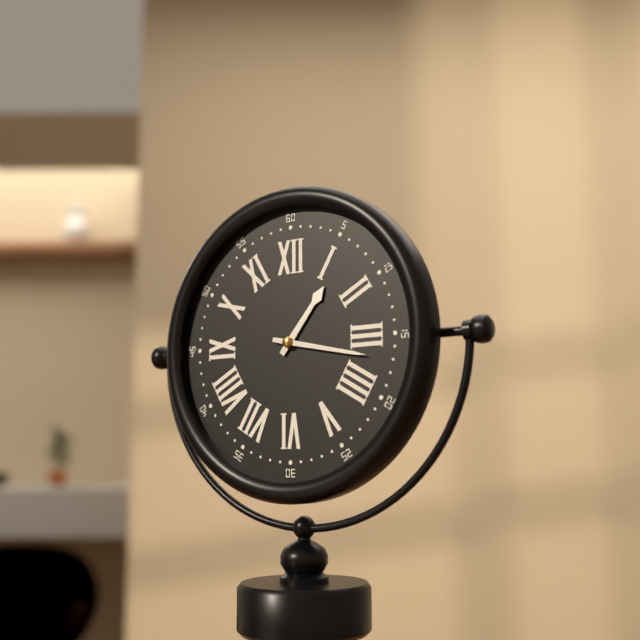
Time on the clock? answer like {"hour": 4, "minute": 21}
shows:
{"hour": 1, "minute": 17}
